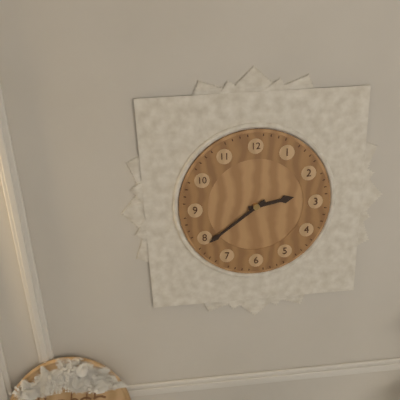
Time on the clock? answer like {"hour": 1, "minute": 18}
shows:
{"hour": 2, "minute": 39}
